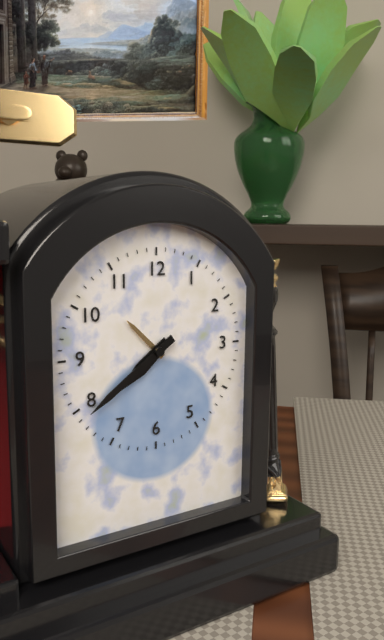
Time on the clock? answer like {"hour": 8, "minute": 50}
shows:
{"hour": 7, "minute": 39}
